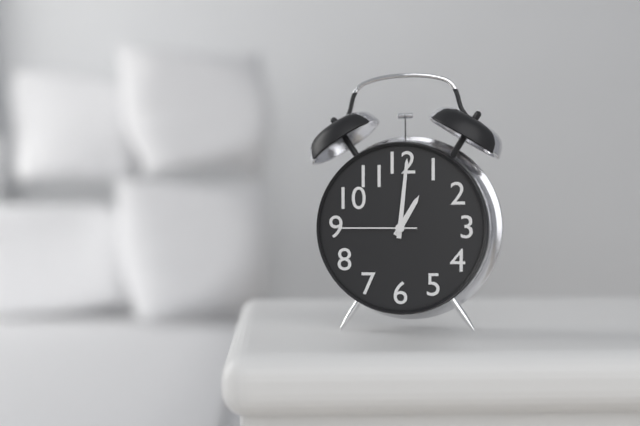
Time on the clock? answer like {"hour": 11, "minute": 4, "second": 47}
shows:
{"hour": 1, "minute": 1, "second": 45}
